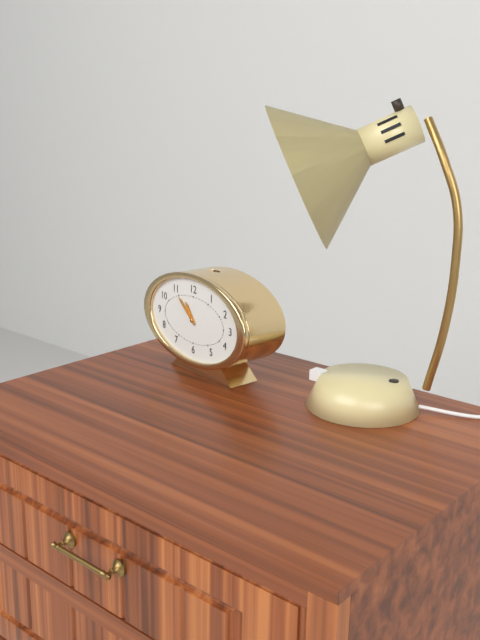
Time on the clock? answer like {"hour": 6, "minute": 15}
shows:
{"hour": 10, "minute": 52}
